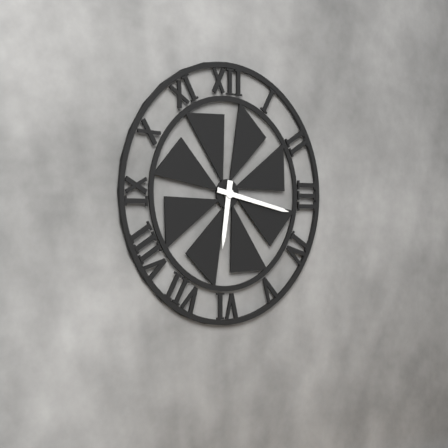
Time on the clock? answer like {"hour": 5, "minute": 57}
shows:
{"hour": 6, "minute": 17}
